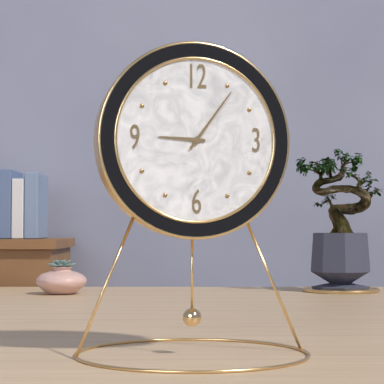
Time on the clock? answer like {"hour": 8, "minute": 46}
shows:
{"hour": 9, "minute": 6}
